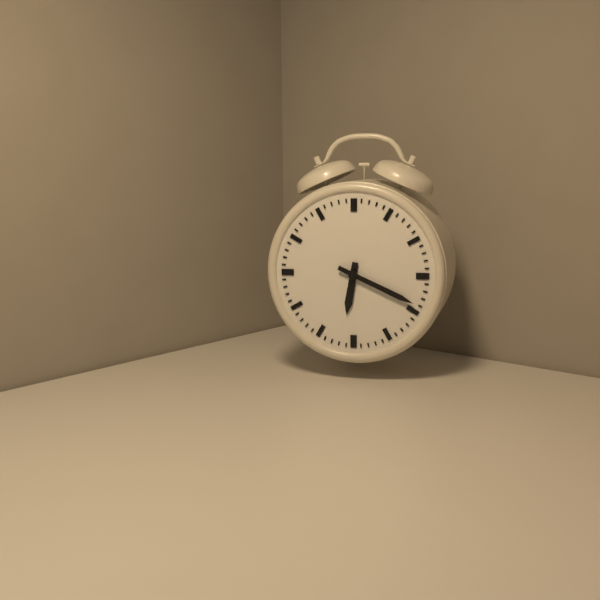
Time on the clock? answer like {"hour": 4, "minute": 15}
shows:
{"hour": 6, "minute": 19}
